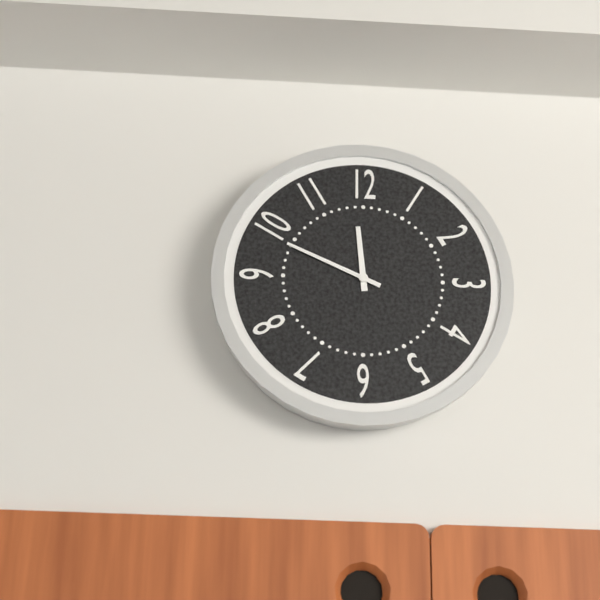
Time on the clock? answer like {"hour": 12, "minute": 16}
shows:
{"hour": 11, "minute": 49}
